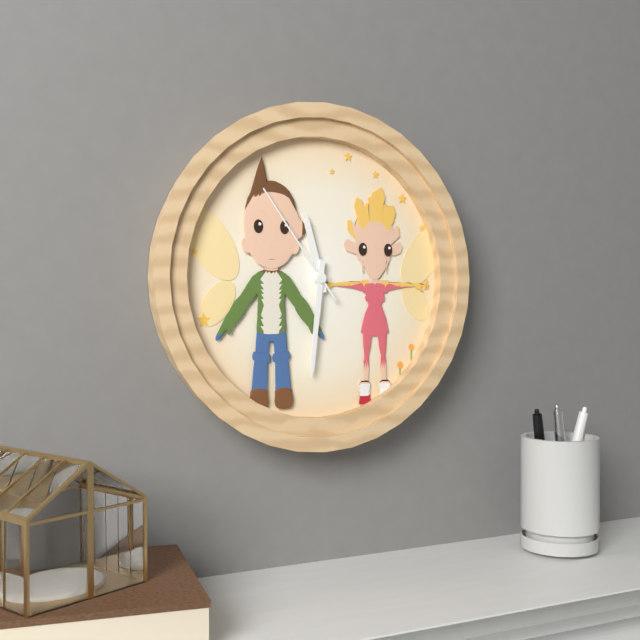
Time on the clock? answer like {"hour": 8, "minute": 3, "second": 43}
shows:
{"hour": 11, "minute": 31, "second": 54}
